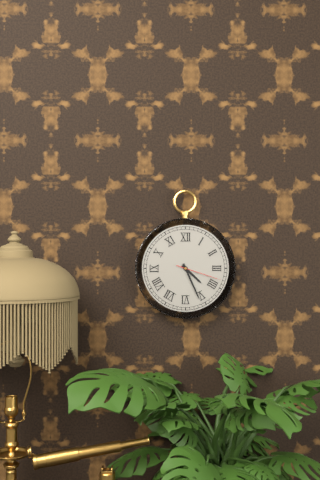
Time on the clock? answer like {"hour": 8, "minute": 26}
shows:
{"hour": 4, "minute": 26}
